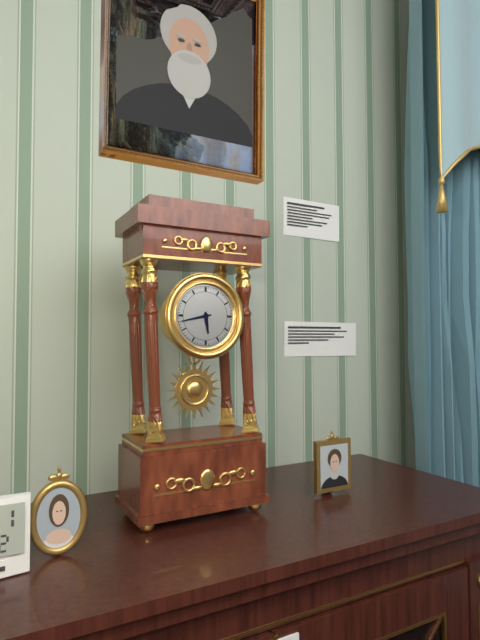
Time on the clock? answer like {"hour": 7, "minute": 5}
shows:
{"hour": 5, "minute": 43}
